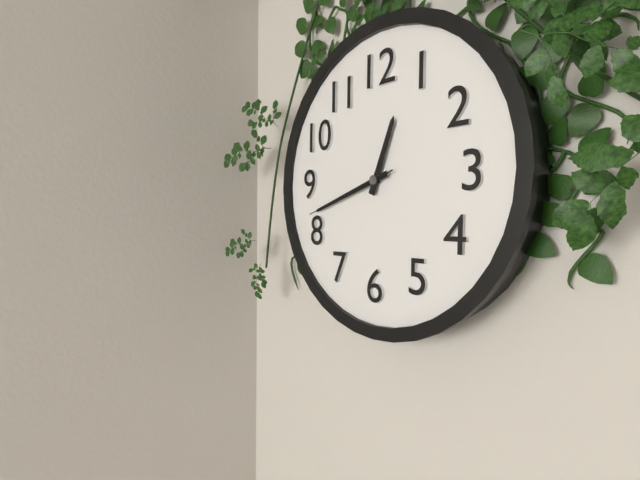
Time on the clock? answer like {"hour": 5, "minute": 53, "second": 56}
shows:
{"hour": 12, "minute": 42, "second": 42}
